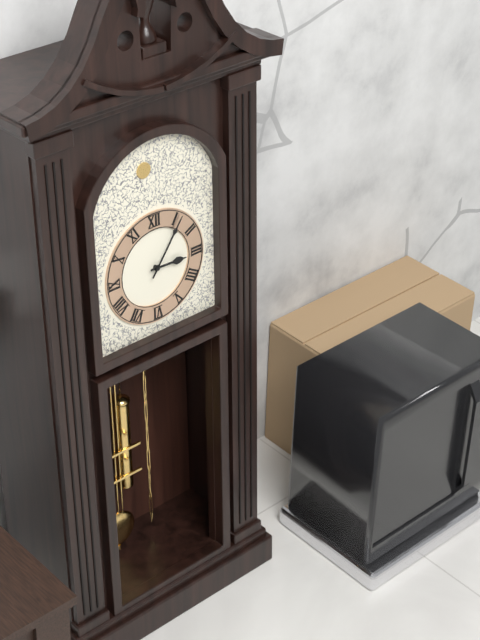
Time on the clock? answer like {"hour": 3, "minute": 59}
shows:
{"hour": 3, "minute": 6}
